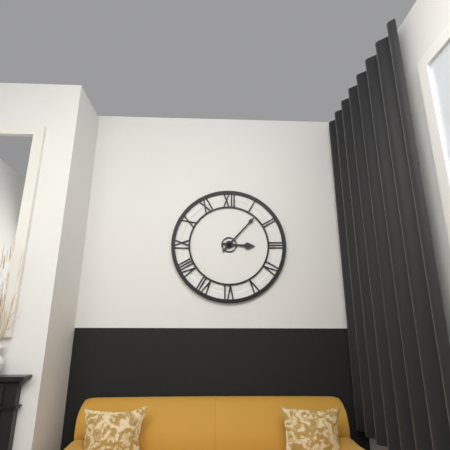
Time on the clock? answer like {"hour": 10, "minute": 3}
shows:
{"hour": 3, "minute": 7}
